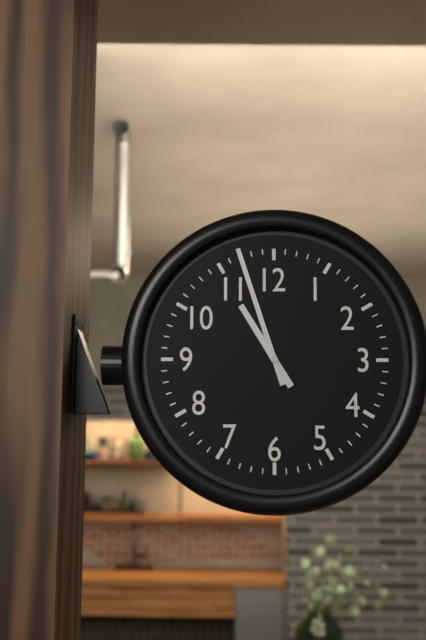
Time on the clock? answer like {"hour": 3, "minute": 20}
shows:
{"hour": 10, "minute": 57}
